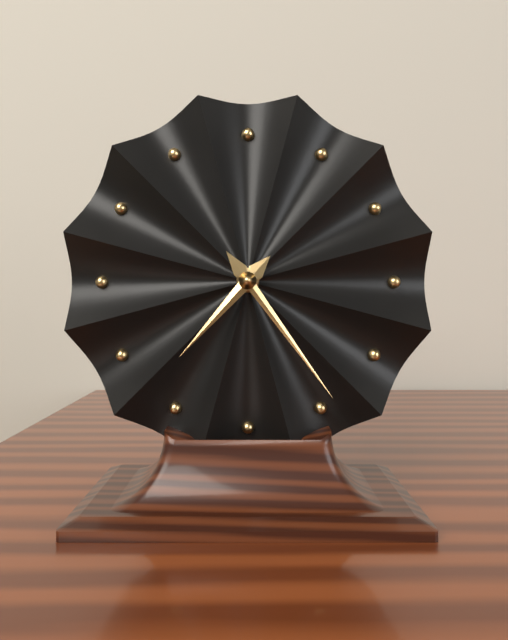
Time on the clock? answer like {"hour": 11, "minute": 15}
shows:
{"hour": 7, "minute": 24}
